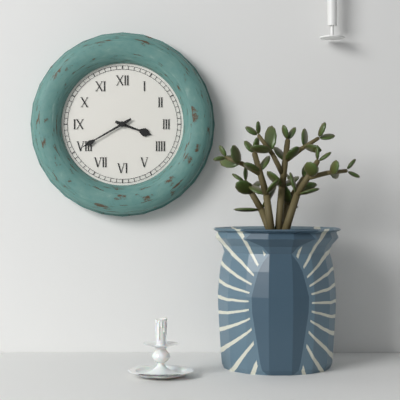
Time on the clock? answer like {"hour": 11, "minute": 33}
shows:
{"hour": 3, "minute": 40}
